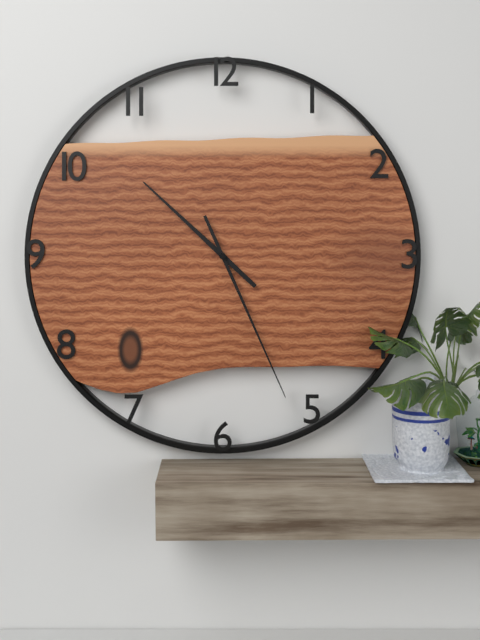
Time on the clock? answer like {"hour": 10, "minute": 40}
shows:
{"hour": 10, "minute": 26}
